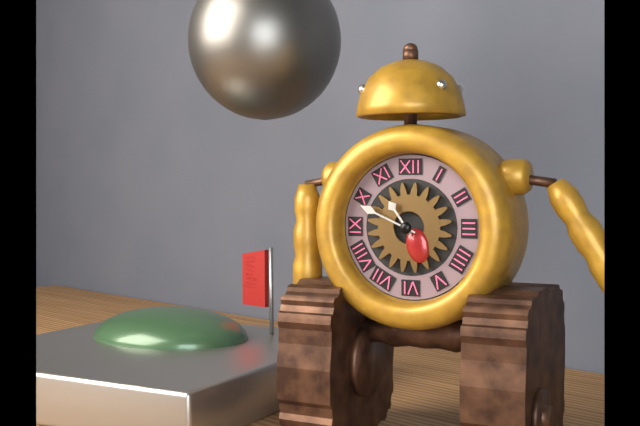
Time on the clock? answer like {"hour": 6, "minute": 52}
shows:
{"hour": 10, "minute": 49}
